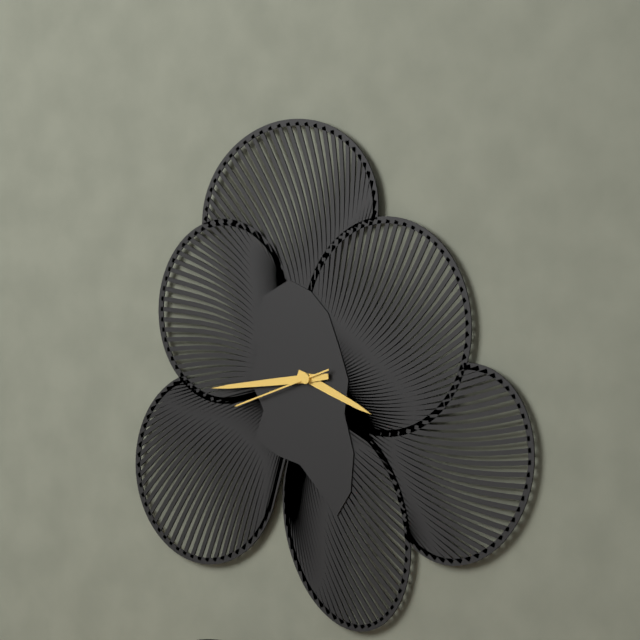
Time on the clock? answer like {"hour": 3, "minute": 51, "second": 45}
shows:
{"hour": 3, "minute": 44, "second": 42}
